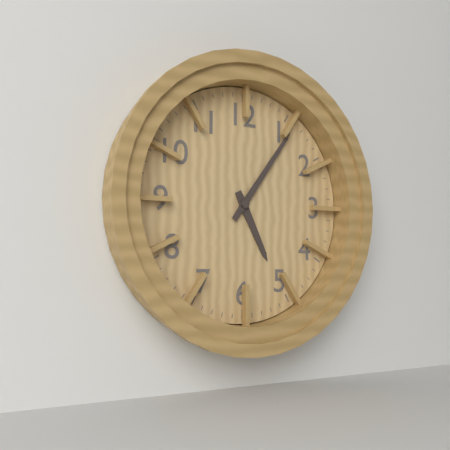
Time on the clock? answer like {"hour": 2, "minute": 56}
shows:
{"hour": 5, "minute": 6}
